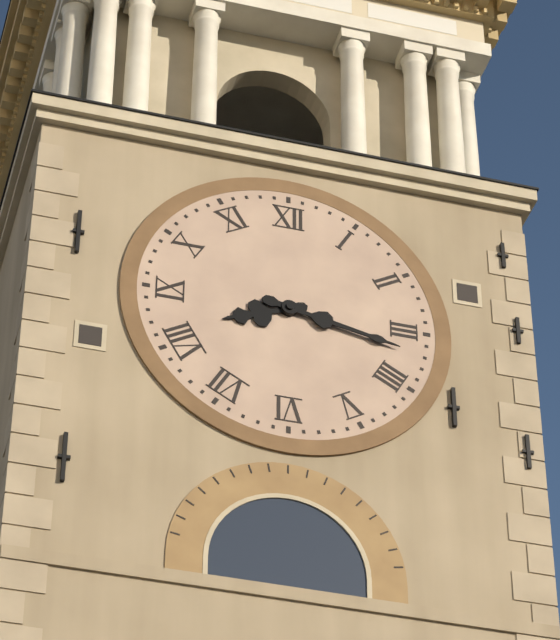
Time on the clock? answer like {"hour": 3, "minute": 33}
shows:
{"hour": 8, "minute": 17}
